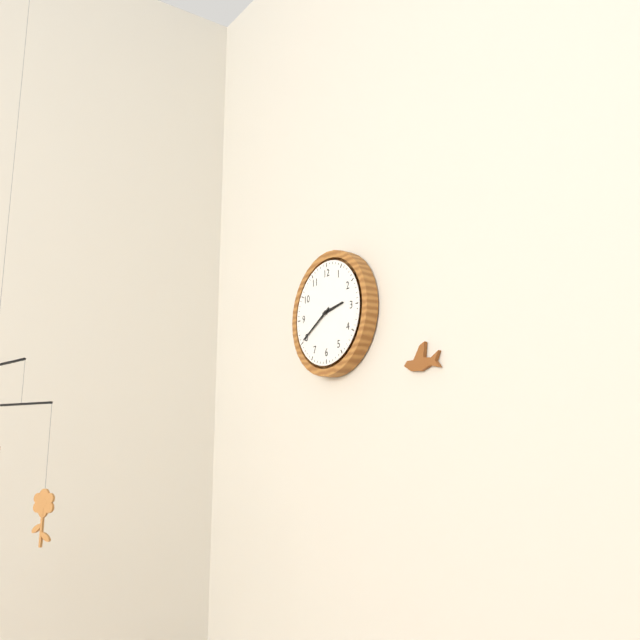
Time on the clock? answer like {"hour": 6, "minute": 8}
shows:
{"hour": 2, "minute": 40}
